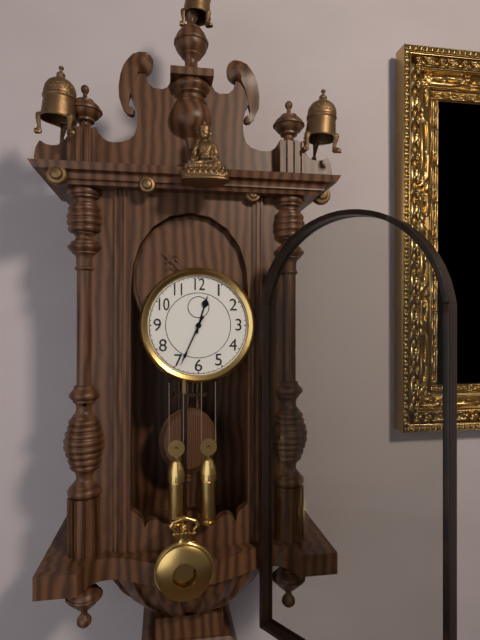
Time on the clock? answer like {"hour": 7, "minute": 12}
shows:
{"hour": 12, "minute": 34}
